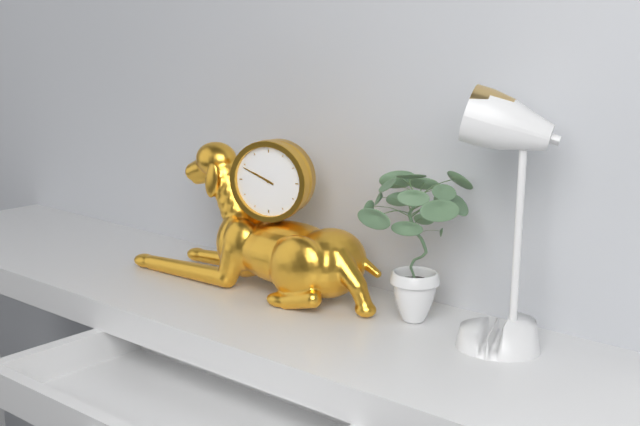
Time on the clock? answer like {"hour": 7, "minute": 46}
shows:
{"hour": 9, "minute": 49}
